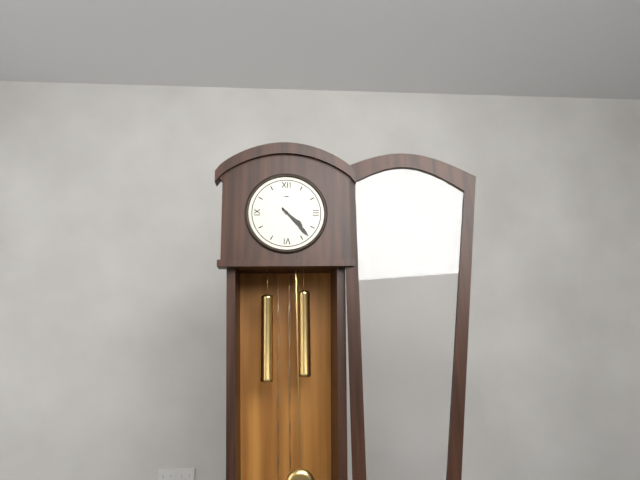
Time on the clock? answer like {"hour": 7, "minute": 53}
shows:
{"hour": 4, "minute": 23}
